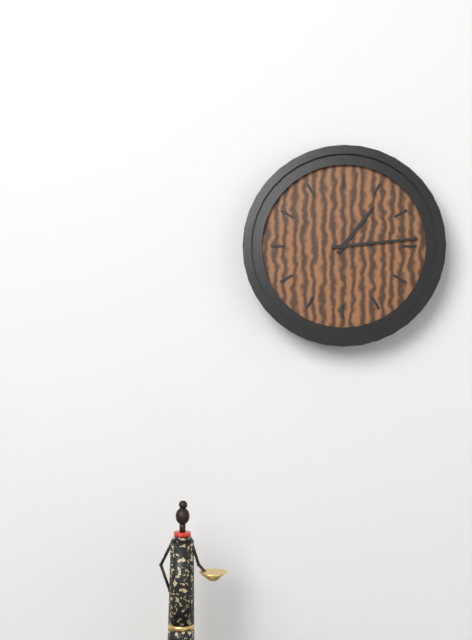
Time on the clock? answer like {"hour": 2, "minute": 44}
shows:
{"hour": 1, "minute": 14}
